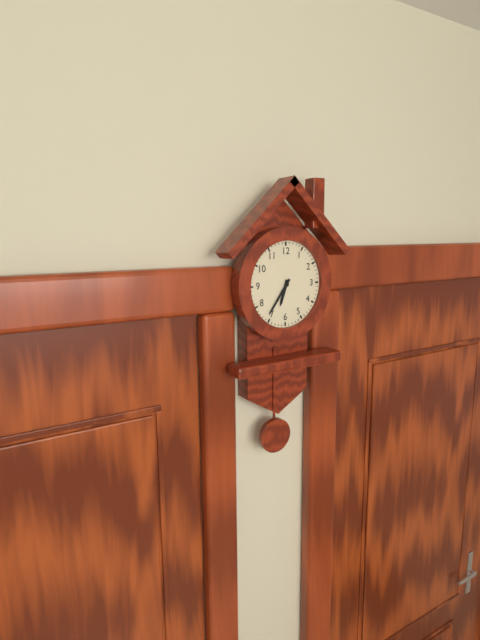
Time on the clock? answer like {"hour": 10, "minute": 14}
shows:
{"hour": 6, "minute": 36}
